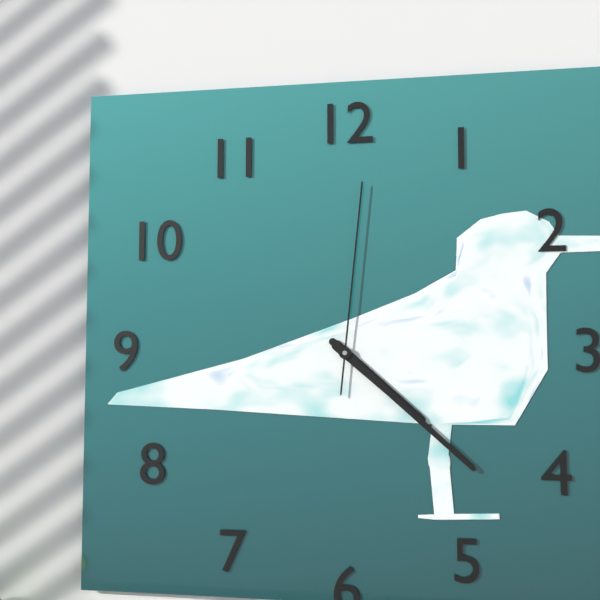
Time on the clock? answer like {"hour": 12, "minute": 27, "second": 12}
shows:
{"hour": 4, "minute": 22, "second": 1}
